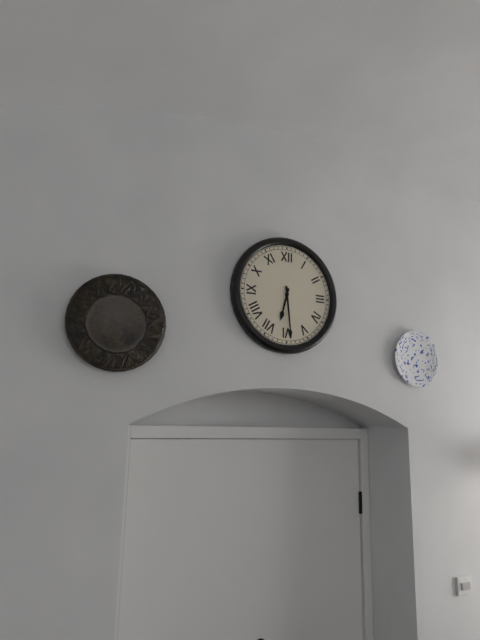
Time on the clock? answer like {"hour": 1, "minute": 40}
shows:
{"hour": 6, "minute": 29}
